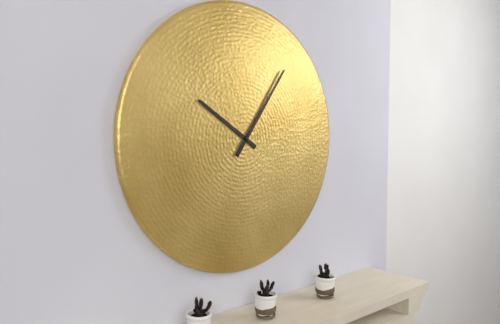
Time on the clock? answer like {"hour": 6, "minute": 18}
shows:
{"hour": 10, "minute": 6}
